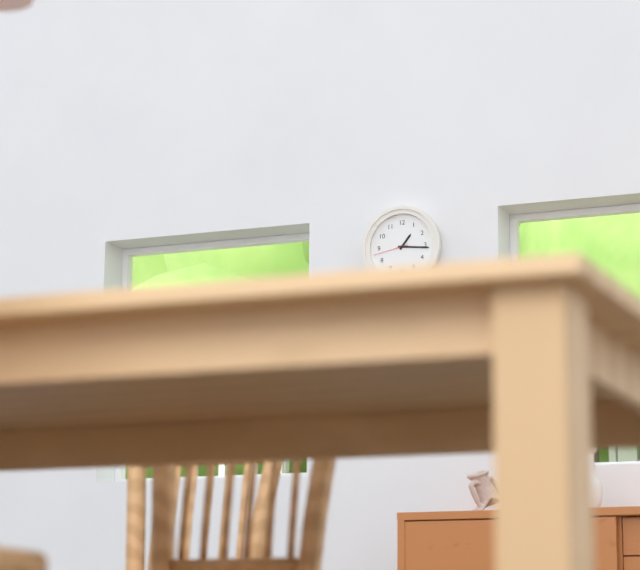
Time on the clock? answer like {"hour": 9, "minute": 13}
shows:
{"hour": 1, "minute": 16}
